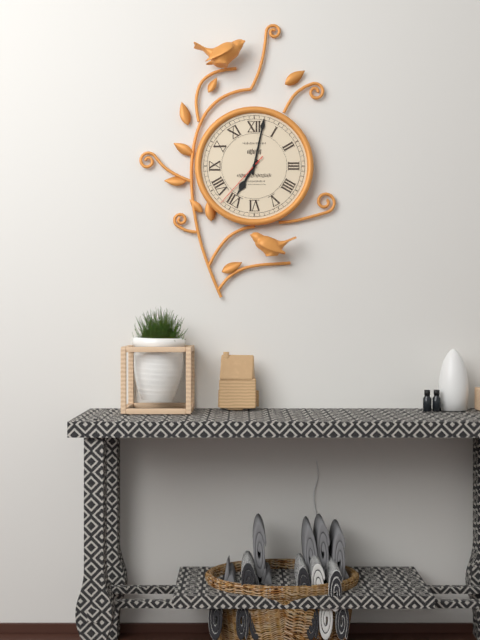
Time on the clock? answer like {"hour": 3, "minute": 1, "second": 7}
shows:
{"hour": 7, "minute": 2, "second": 37}
